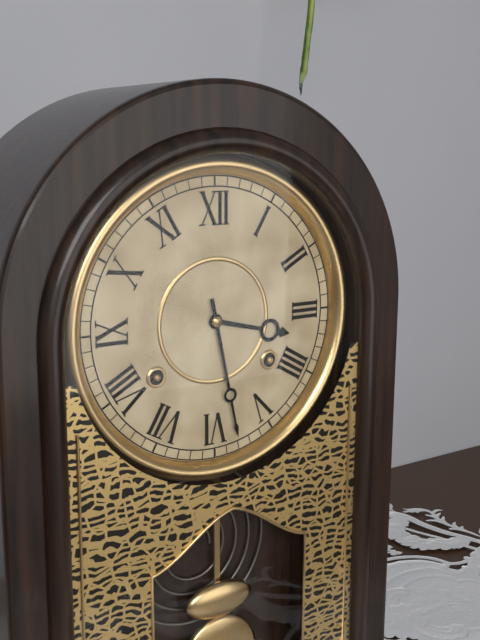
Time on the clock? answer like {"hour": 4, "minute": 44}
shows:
{"hour": 3, "minute": 28}
